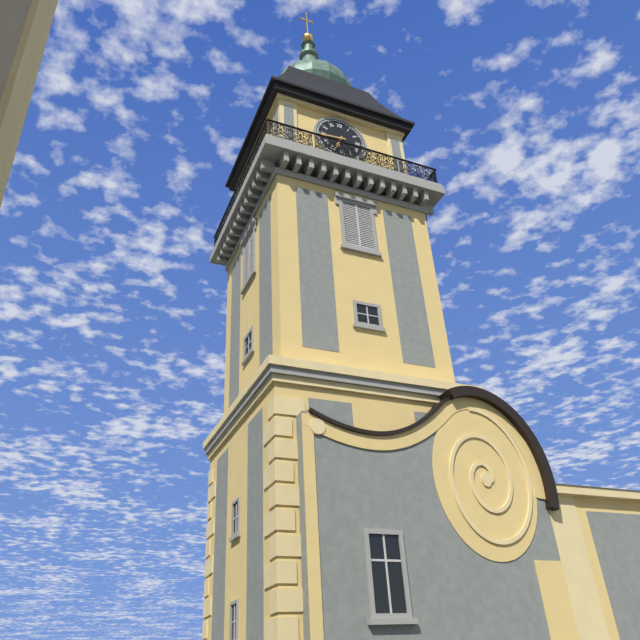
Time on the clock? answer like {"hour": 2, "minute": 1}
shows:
{"hour": 6, "minute": 44}
